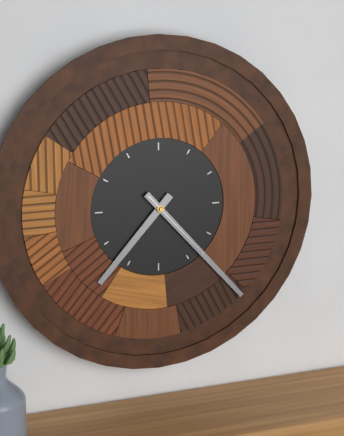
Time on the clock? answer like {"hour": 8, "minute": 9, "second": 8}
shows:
{"hour": 7, "minute": 23, "second": 23}
